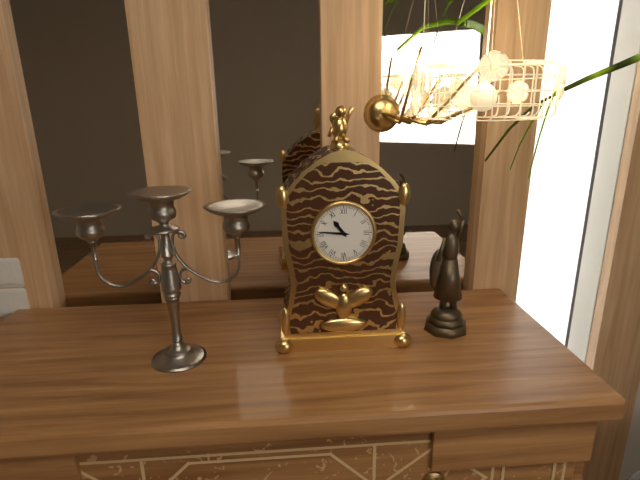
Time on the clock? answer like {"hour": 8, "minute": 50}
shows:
{"hour": 10, "minute": 46}
